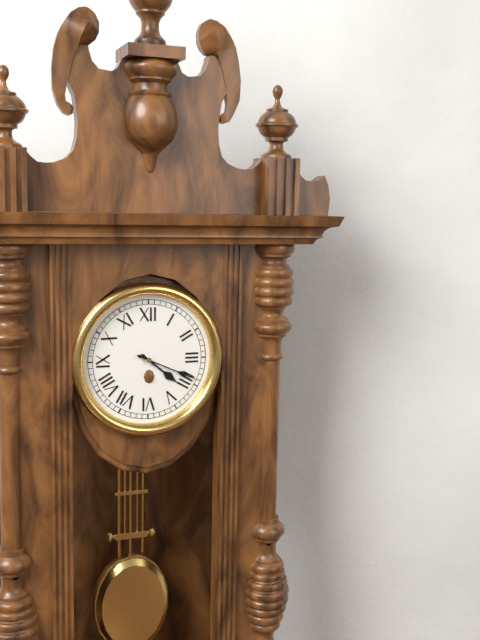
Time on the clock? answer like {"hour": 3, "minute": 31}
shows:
{"hour": 4, "minute": 19}
